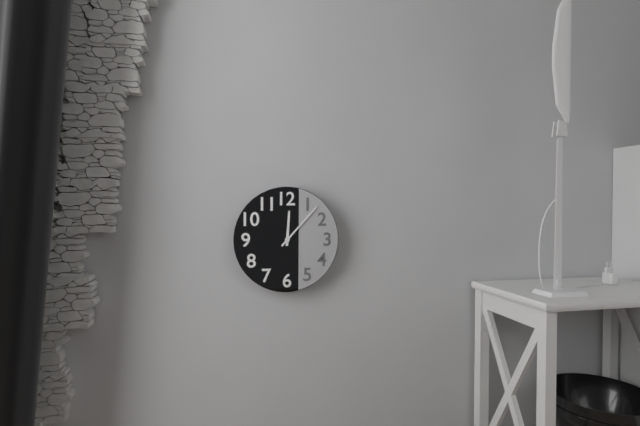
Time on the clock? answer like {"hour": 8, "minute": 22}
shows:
{"hour": 12, "minute": 7}
